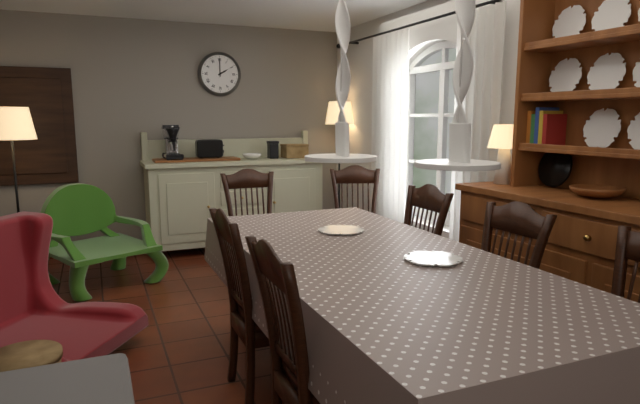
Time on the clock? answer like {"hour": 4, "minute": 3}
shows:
{"hour": 2, "minute": 0}
